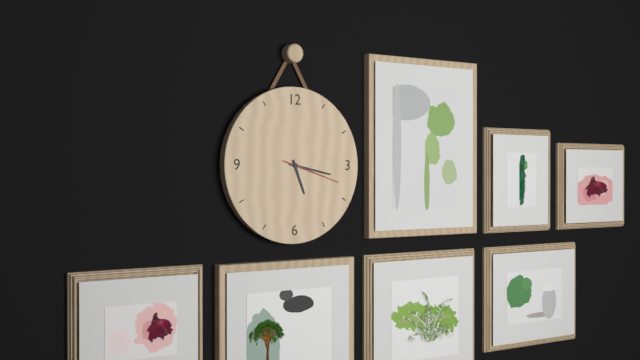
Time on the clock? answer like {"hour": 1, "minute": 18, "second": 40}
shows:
{"hour": 5, "minute": 17, "second": 18}
